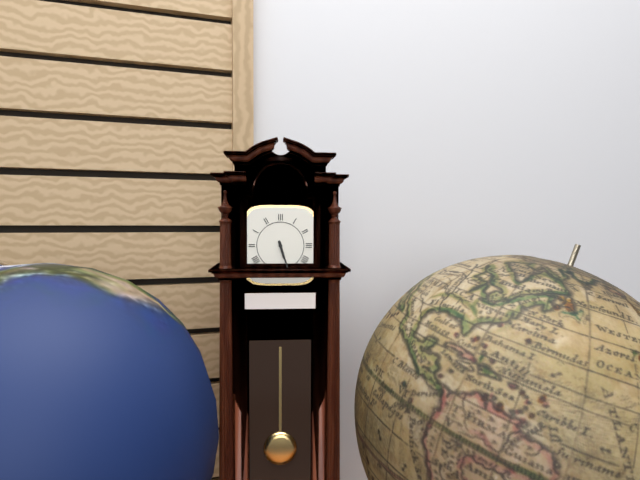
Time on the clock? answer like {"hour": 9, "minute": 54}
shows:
{"hour": 5, "minute": 27}
